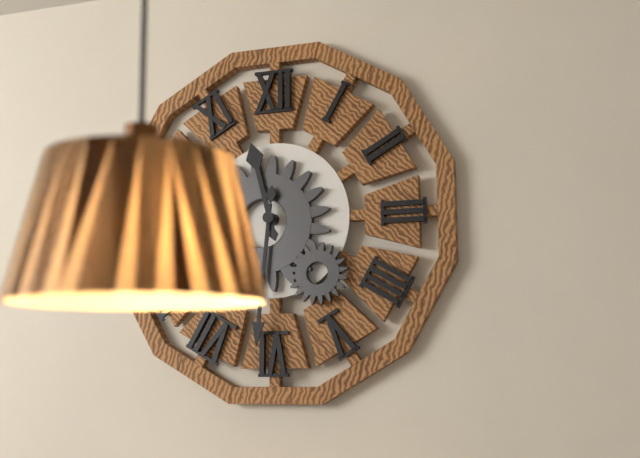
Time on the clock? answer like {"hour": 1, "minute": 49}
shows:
{"hour": 11, "minute": 31}
